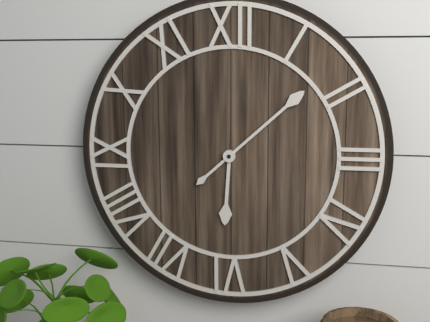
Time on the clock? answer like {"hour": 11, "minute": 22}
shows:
{"hour": 6, "minute": 8}
